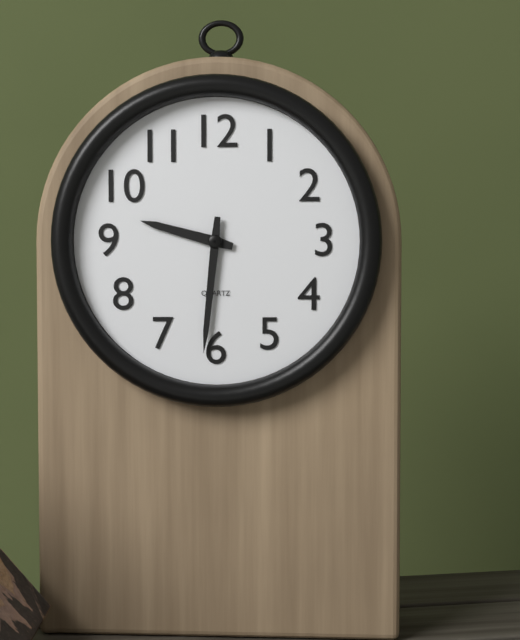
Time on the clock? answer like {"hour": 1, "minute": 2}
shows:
{"hour": 9, "minute": 31}
